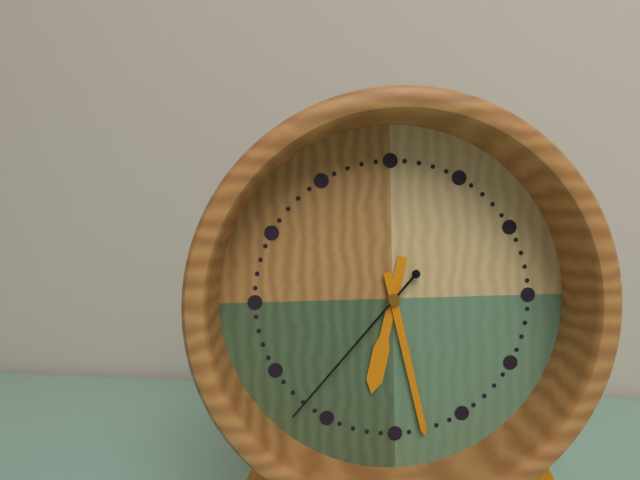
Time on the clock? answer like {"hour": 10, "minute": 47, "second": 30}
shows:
{"hour": 6, "minute": 28, "second": 37}
